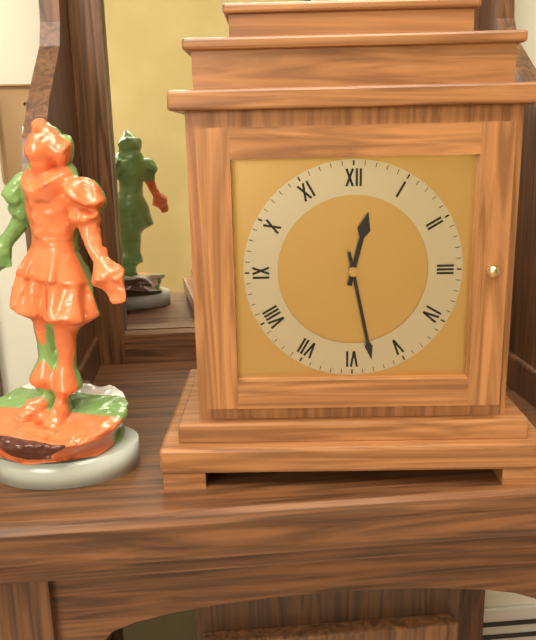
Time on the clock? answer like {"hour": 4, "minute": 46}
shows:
{"hour": 12, "minute": 28}
